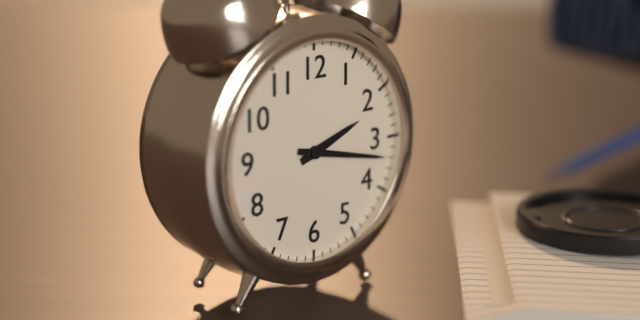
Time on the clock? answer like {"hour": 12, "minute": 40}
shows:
{"hour": 2, "minute": 17}
